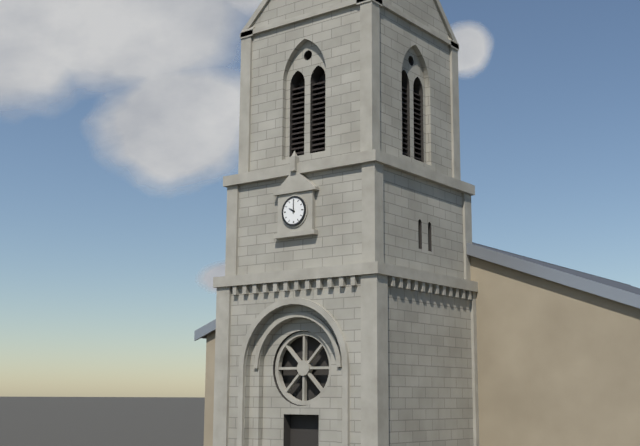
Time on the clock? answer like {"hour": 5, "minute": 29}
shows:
{"hour": 10, "minute": 0}
